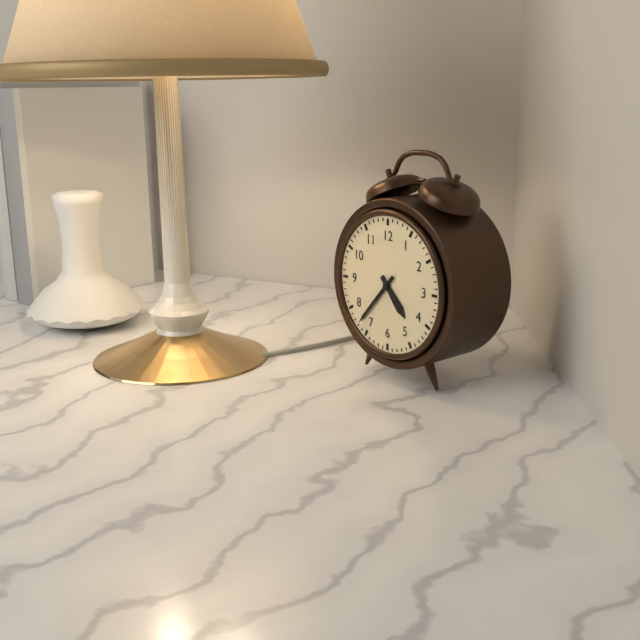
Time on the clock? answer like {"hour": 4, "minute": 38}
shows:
{"hour": 4, "minute": 37}
